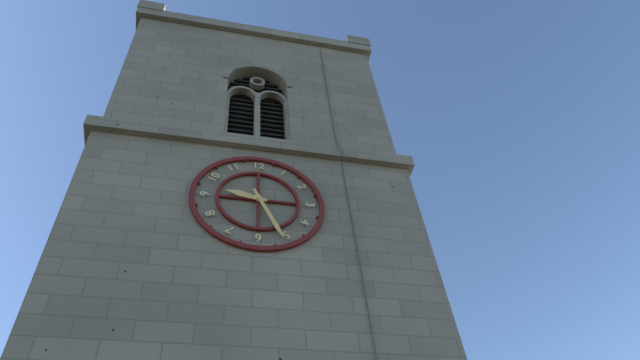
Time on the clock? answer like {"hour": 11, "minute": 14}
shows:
{"hour": 9, "minute": 26}
